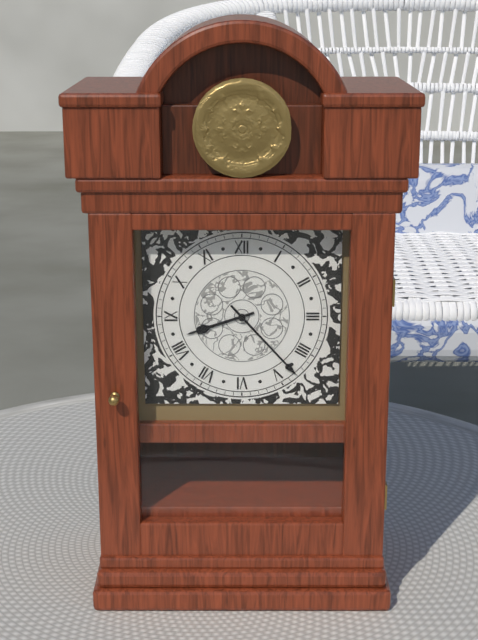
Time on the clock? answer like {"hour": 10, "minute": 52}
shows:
{"hour": 8, "minute": 23}
